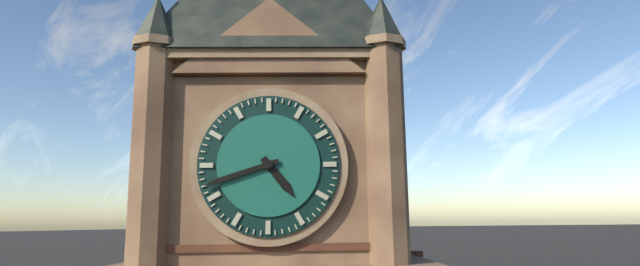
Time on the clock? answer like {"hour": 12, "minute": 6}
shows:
{"hour": 4, "minute": 42}
